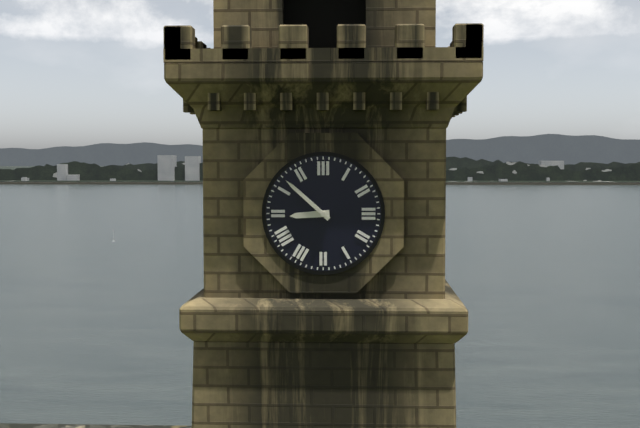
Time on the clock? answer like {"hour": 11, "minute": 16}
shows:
{"hour": 8, "minute": 52}
